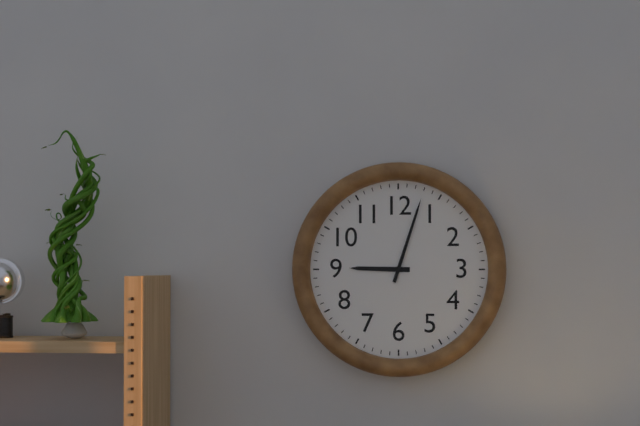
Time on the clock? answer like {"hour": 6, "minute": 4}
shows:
{"hour": 9, "minute": 3}
